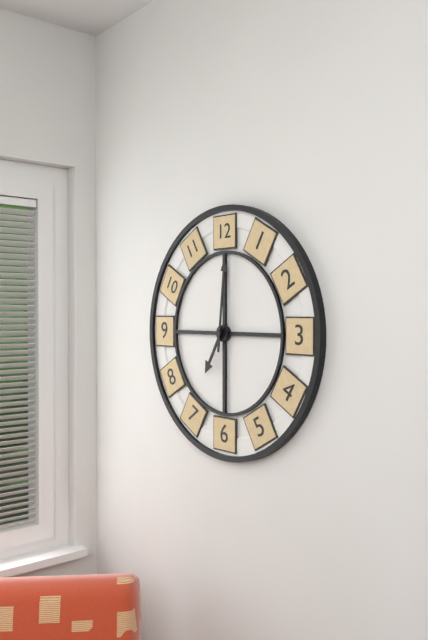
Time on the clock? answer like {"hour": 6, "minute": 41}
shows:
{"hour": 7, "minute": 1}
